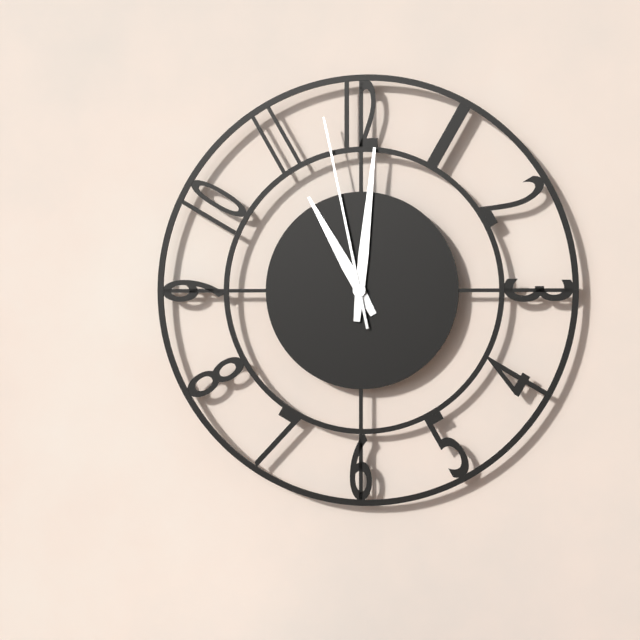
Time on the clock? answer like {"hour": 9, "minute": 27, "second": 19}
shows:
{"hour": 11, "minute": 1, "second": 58}
